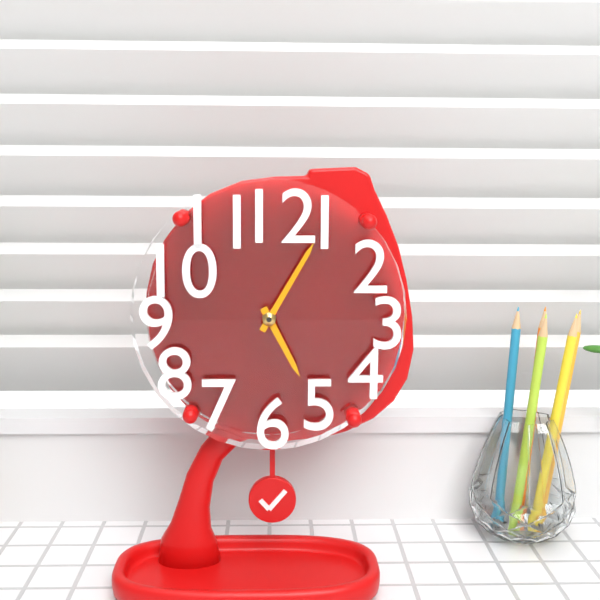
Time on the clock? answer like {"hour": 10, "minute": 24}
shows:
{"hour": 5, "minute": 5}
